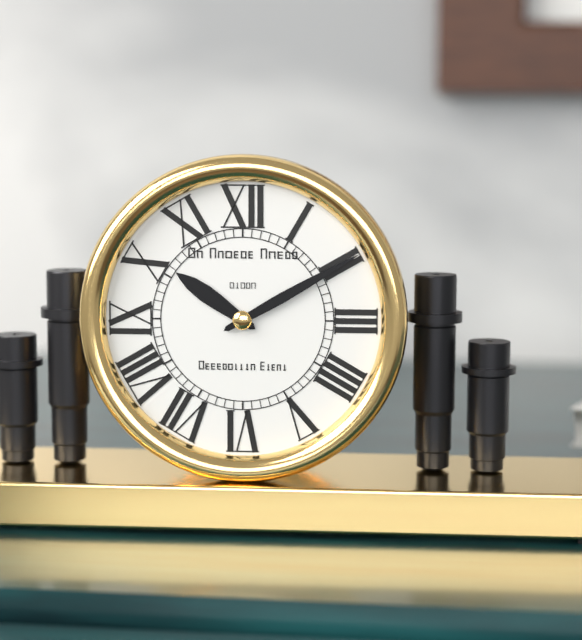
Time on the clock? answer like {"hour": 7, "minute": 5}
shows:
{"hour": 10, "minute": 10}
